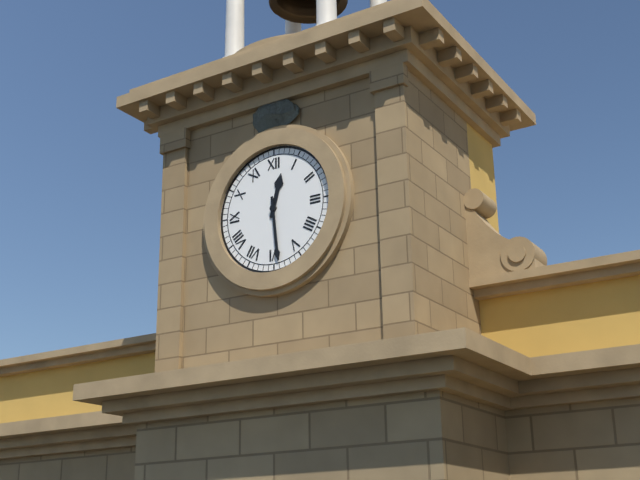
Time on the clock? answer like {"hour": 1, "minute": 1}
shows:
{"hour": 12, "minute": 29}
